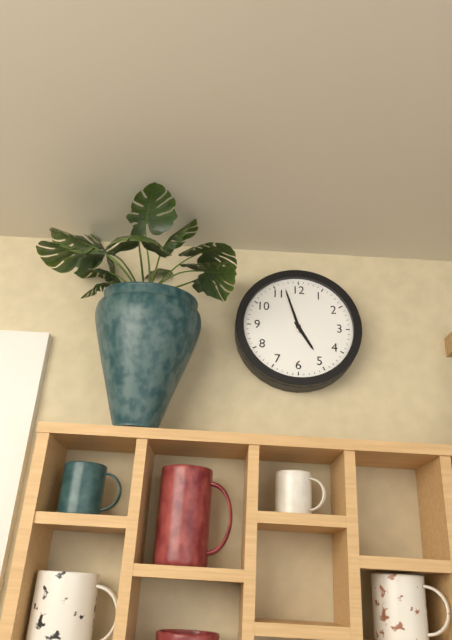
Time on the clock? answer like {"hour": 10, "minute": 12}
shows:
{"hour": 4, "minute": 57}
